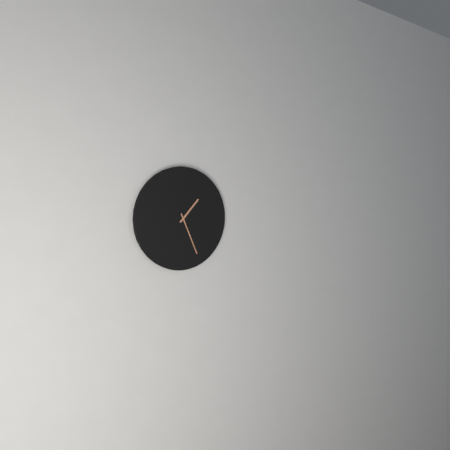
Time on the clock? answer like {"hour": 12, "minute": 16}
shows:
{"hour": 1, "minute": 26}
